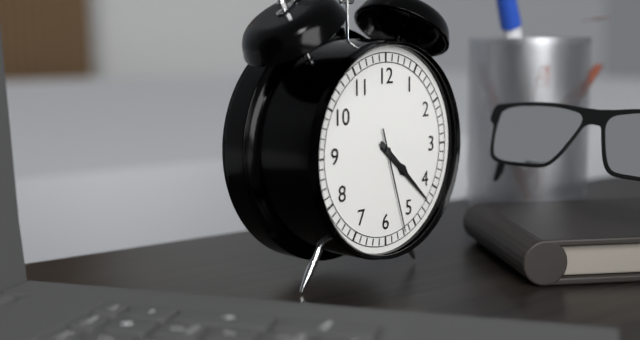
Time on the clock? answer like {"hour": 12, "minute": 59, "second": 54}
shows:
{"hour": 4, "minute": 22, "second": 27}
